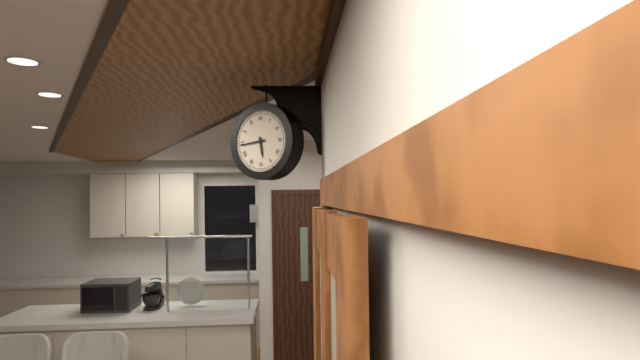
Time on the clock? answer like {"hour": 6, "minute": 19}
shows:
{"hour": 5, "minute": 44}
